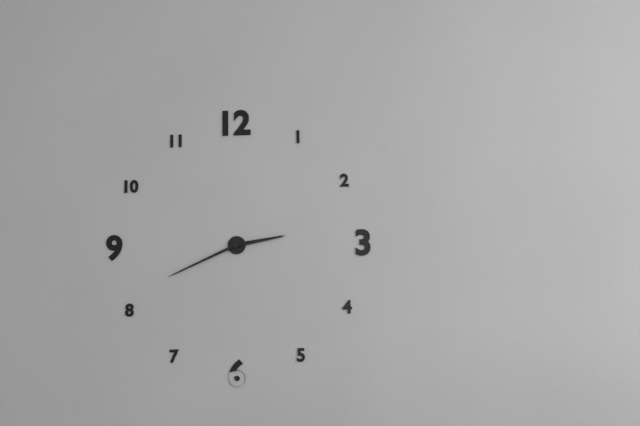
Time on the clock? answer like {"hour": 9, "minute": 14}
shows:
{"hour": 2, "minute": 41}
